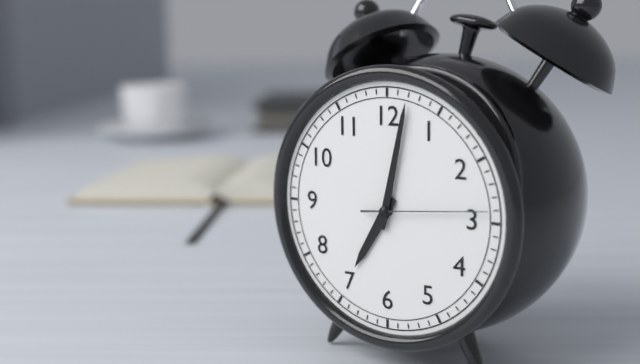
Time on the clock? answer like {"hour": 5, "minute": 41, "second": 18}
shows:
{"hour": 7, "minute": 2, "second": 14}
